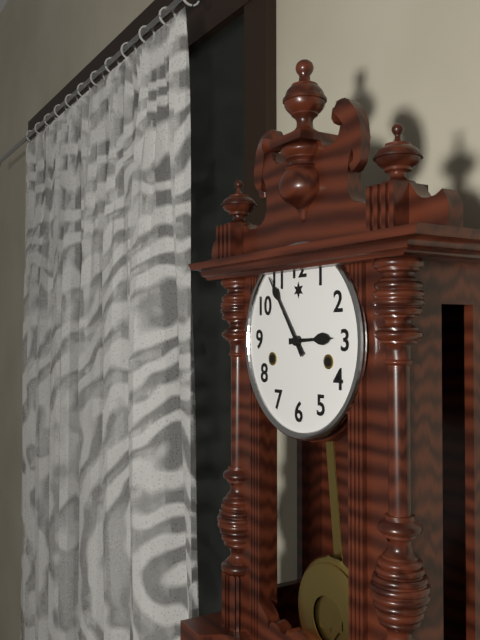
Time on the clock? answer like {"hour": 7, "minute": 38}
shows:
{"hour": 2, "minute": 54}
